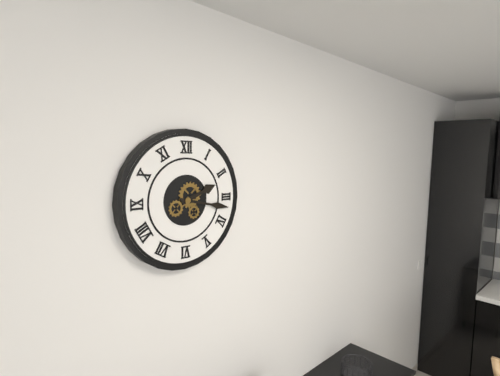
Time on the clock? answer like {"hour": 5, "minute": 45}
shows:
{"hour": 2, "minute": 17}
